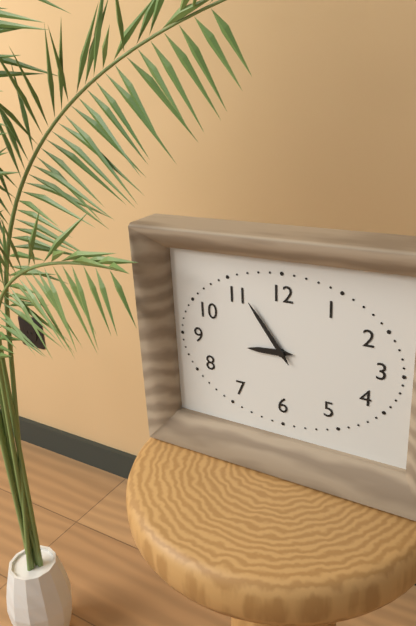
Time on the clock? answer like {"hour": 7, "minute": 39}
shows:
{"hour": 8, "minute": 54}
